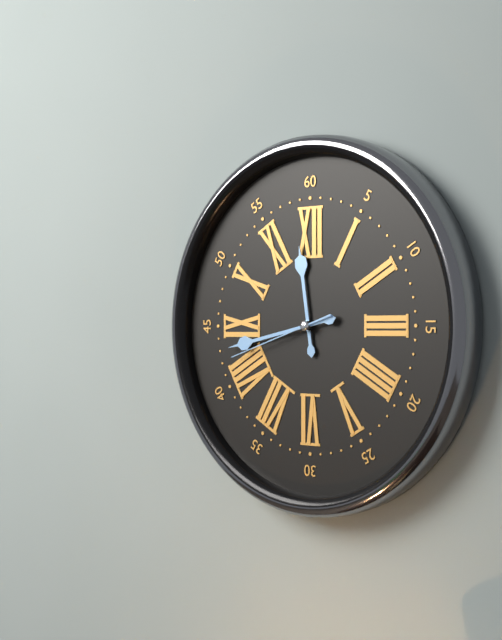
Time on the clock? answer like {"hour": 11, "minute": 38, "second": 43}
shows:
{"hour": 11, "minute": 43, "second": 42}
